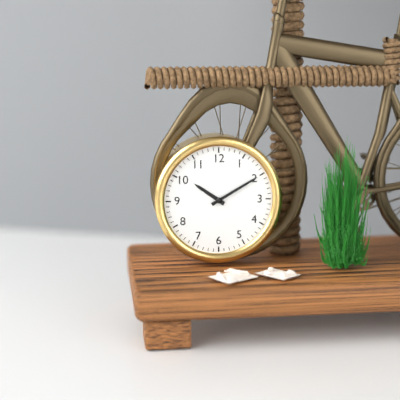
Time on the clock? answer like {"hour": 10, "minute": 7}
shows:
{"hour": 10, "minute": 10}
